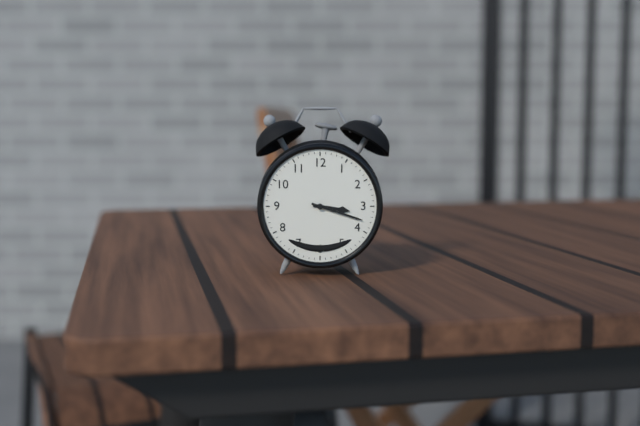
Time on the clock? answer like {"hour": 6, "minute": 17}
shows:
{"hour": 3, "minute": 18}
